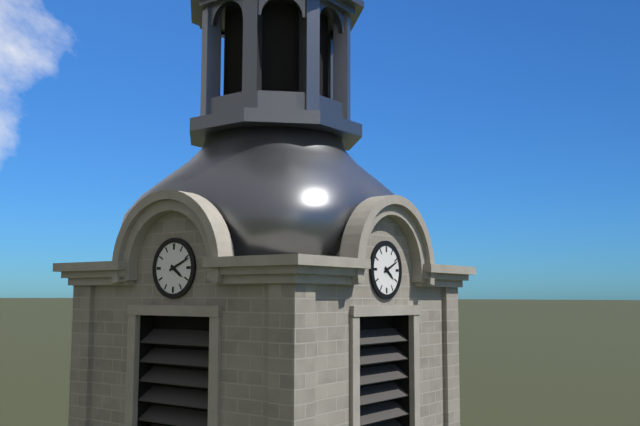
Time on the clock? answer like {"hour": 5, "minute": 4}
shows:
{"hour": 4, "minute": 11}
